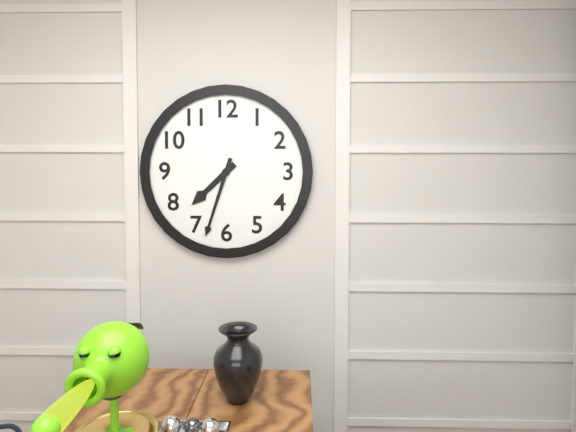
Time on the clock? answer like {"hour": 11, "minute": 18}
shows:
{"hour": 7, "minute": 33}
